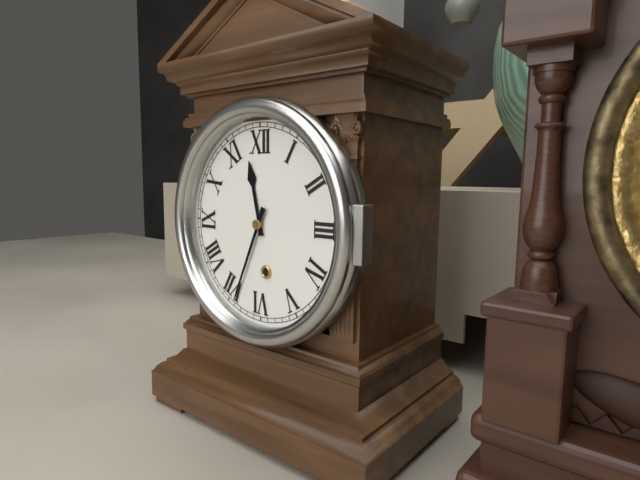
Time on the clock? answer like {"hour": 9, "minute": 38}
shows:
{"hour": 11, "minute": 34}
